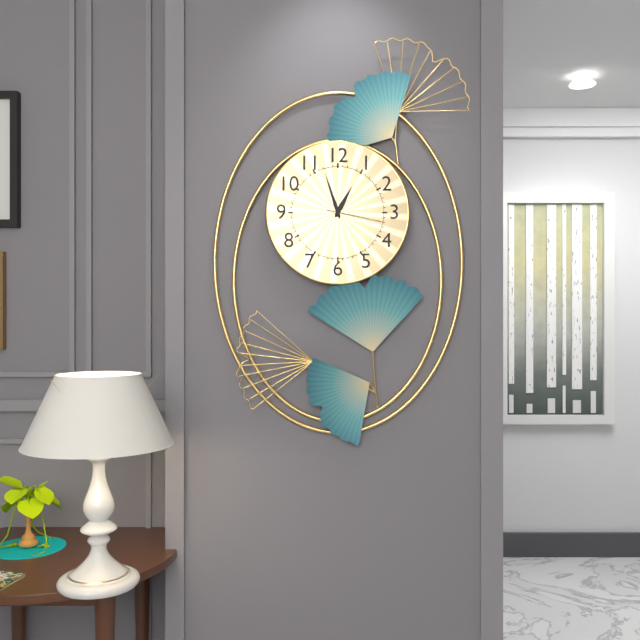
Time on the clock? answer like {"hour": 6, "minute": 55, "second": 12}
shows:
{"hour": 12, "minute": 57, "second": 17}
